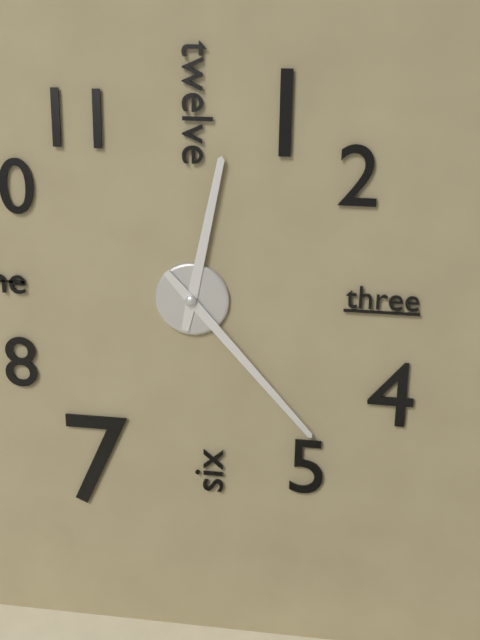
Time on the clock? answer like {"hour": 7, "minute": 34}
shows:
{"hour": 12, "minute": 23}
